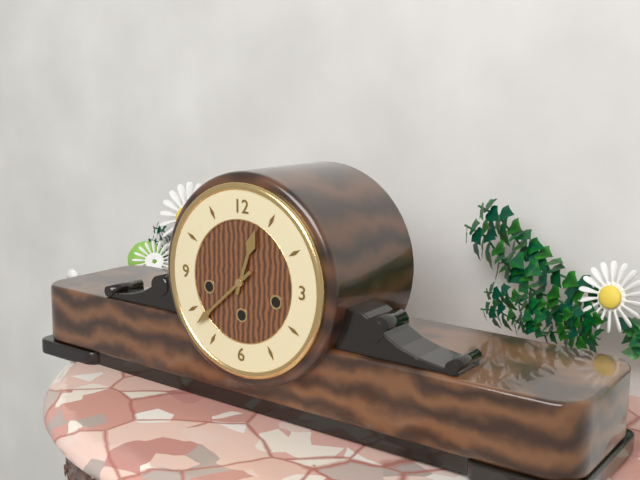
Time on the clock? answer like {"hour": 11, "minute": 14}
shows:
{"hour": 12, "minute": 38}
